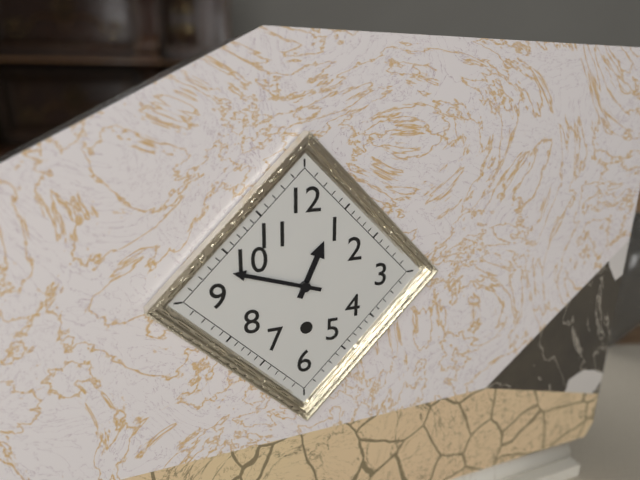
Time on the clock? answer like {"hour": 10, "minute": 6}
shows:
{"hour": 12, "minute": 48}
